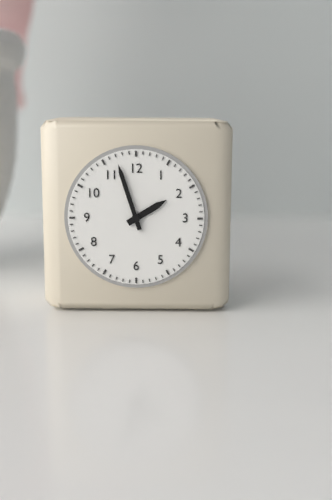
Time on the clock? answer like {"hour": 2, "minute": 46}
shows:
{"hour": 1, "minute": 57}
